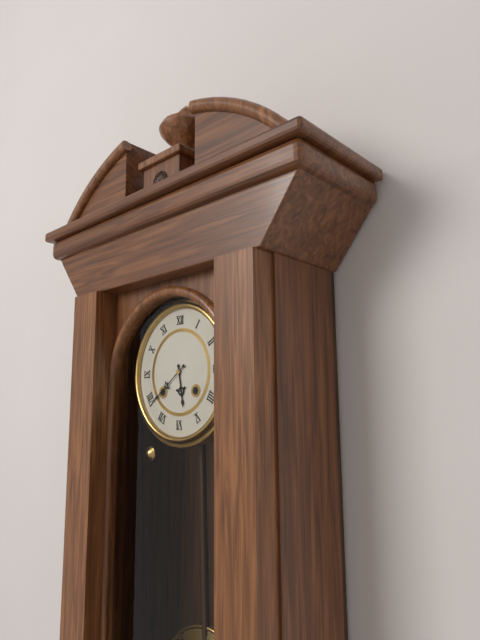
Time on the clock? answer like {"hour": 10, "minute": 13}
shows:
{"hour": 5, "minute": 39}
